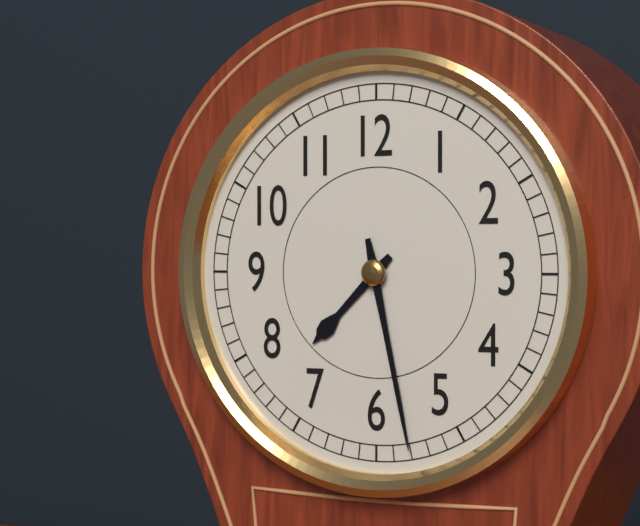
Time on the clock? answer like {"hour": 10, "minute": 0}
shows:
{"hour": 7, "minute": 28}
